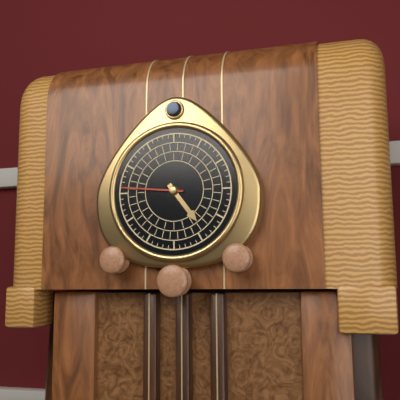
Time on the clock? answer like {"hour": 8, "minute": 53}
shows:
{"hour": 4, "minute": 46}
